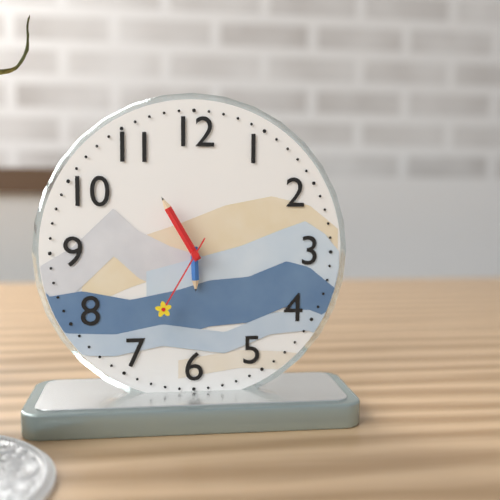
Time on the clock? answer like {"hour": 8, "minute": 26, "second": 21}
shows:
{"hour": 5, "minute": 55, "second": 35}
